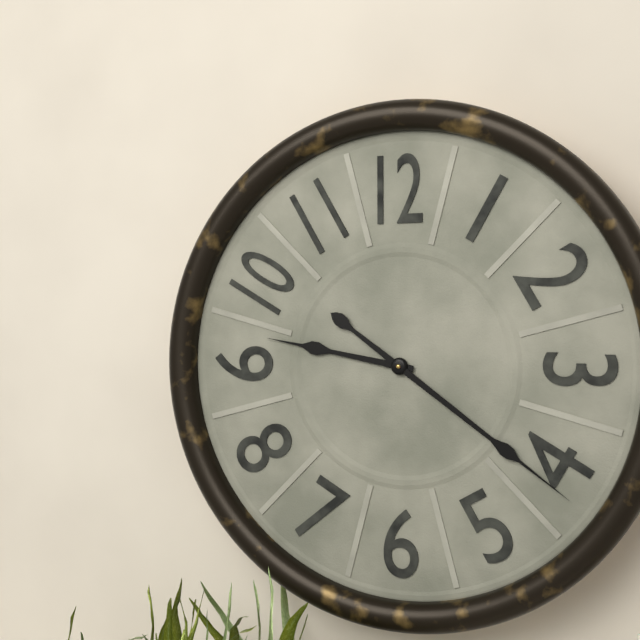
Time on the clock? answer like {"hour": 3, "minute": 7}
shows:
{"hour": 9, "minute": 21}
